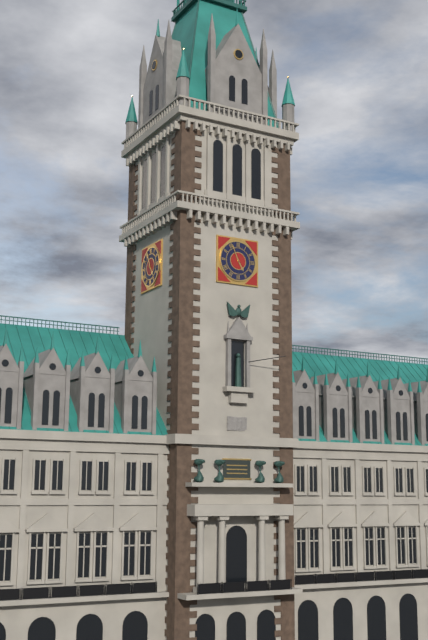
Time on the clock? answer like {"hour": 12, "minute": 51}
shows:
{"hour": 4, "minute": 56}
